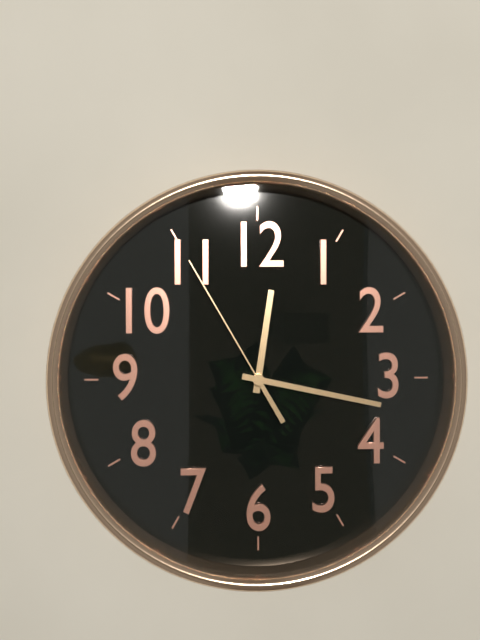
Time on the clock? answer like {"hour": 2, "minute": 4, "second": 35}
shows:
{"hour": 12, "minute": 17, "second": 55}
